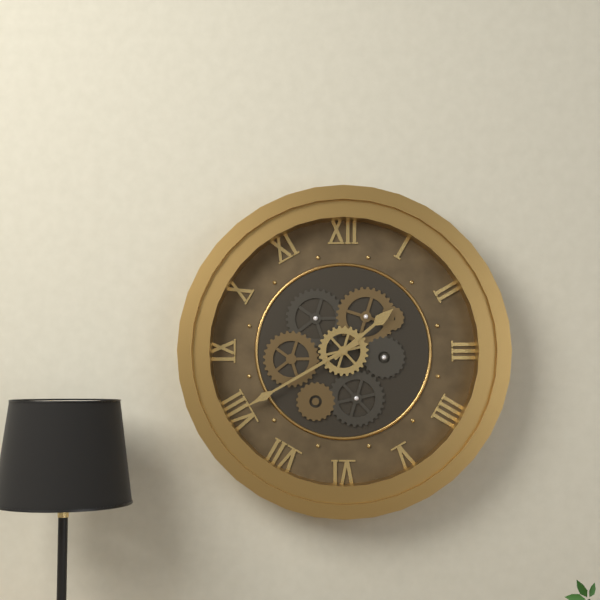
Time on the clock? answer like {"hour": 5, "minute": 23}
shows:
{"hour": 1, "minute": 40}
